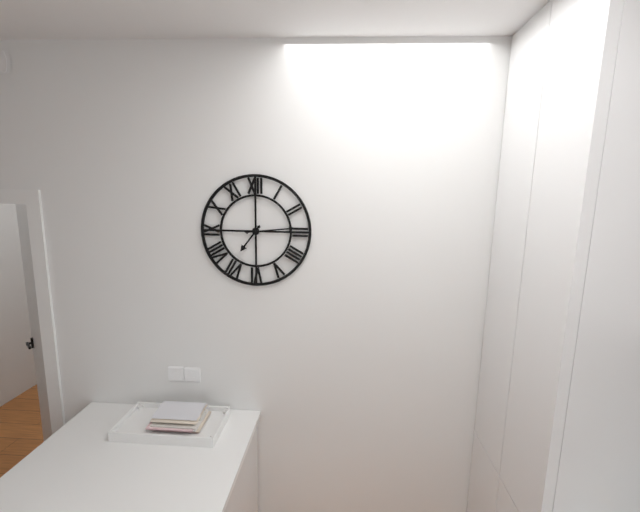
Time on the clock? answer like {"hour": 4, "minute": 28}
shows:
{"hour": 7, "minute": 14}
